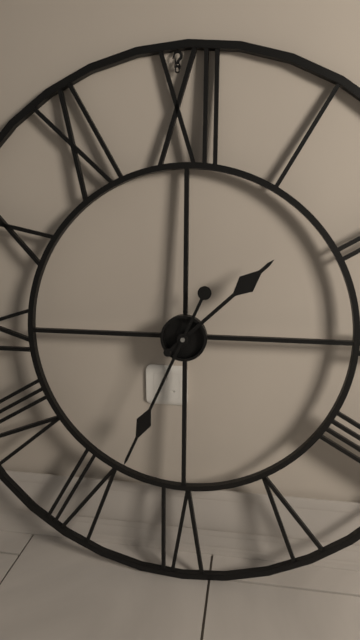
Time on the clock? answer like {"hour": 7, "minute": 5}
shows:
{"hour": 1, "minute": 34}
